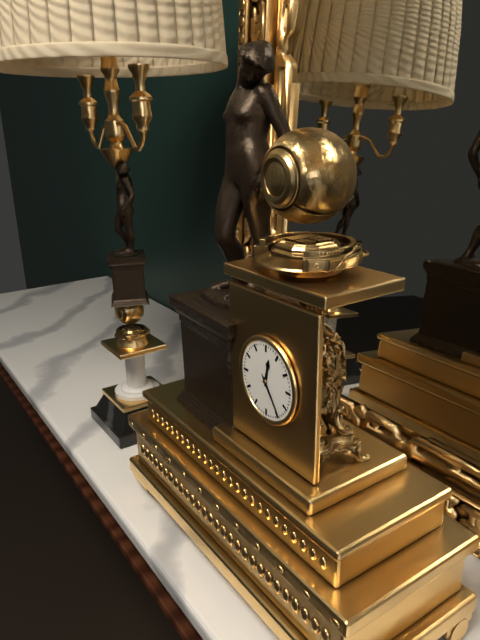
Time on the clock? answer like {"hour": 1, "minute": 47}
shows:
{"hour": 12, "minute": 24}
